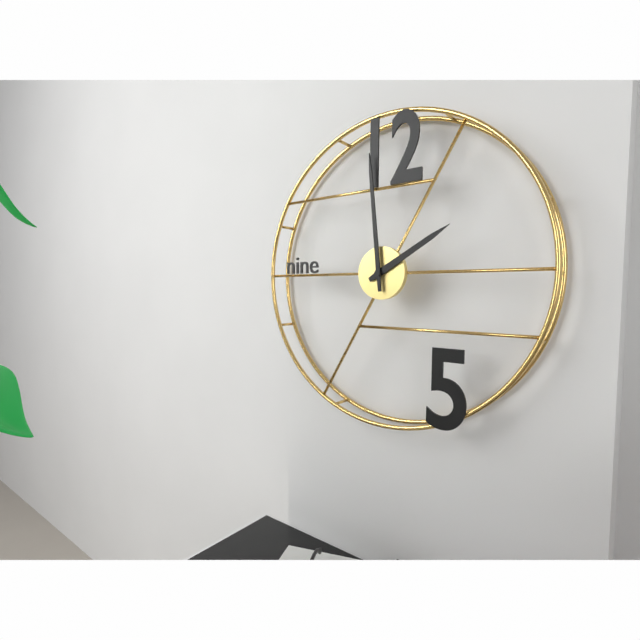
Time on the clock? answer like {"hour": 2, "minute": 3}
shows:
{"hour": 1, "minute": 59}
